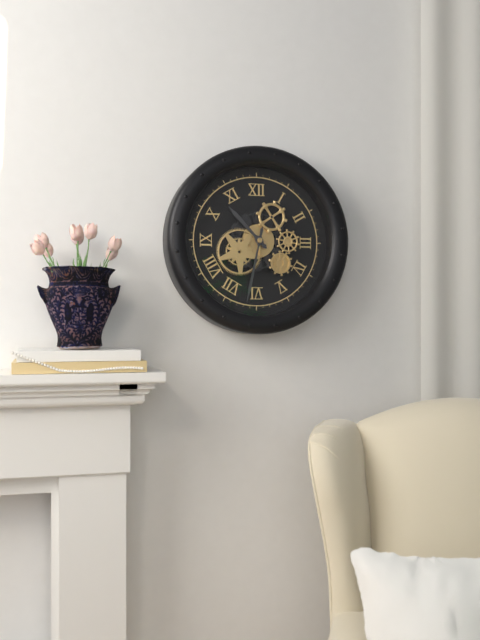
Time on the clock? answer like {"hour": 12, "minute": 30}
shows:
{"hour": 10, "minute": 32}
